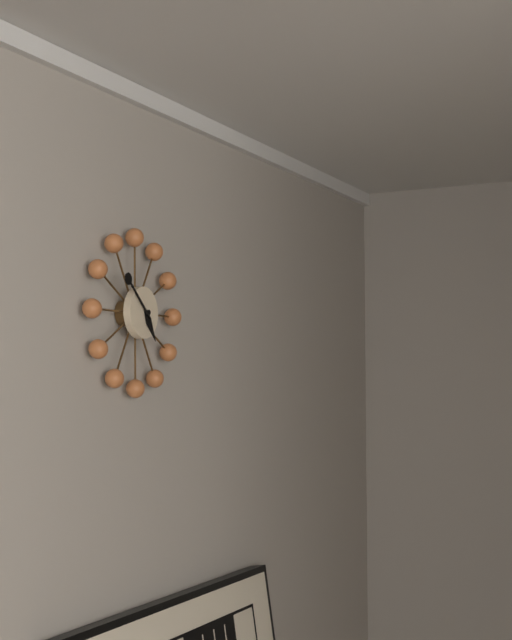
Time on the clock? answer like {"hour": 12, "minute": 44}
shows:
{"hour": 4, "minute": 52}
